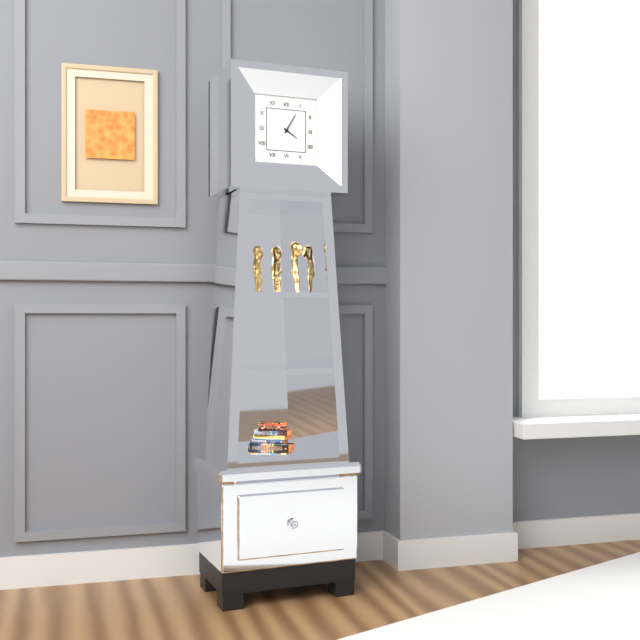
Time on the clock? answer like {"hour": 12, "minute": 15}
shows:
{"hour": 4, "minute": 5}
